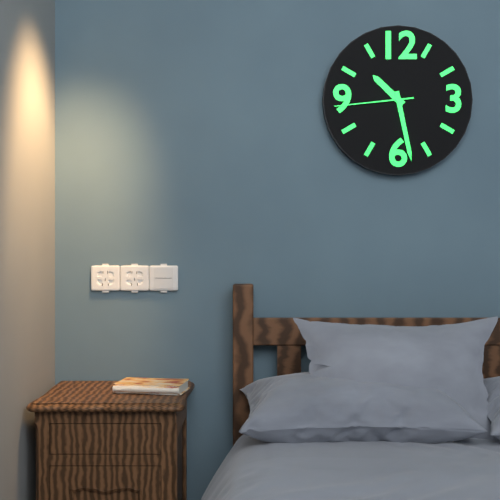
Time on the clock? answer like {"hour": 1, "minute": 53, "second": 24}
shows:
{"hour": 10, "minute": 28, "second": 44}
